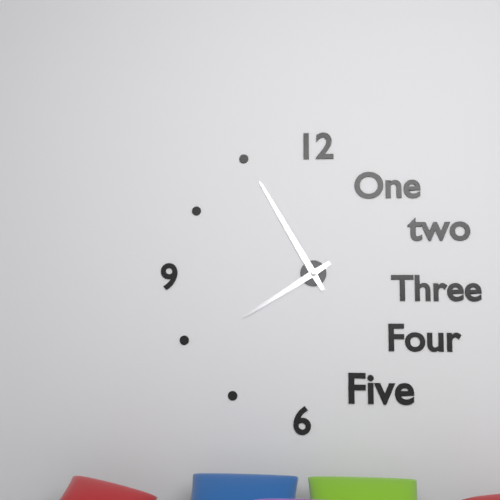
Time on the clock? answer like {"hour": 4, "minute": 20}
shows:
{"hour": 7, "minute": 55}
